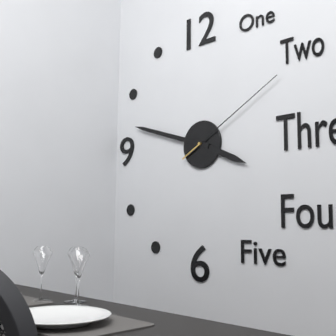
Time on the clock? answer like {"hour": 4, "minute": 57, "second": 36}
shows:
{"hour": 3, "minute": 48, "second": 10}
